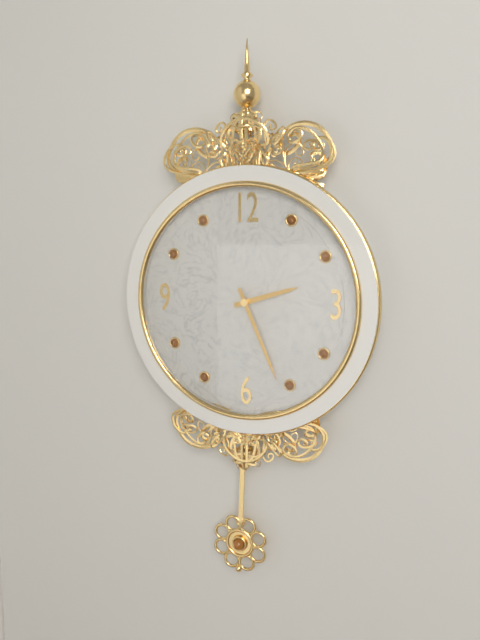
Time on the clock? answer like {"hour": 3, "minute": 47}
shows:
{"hour": 2, "minute": 26}
